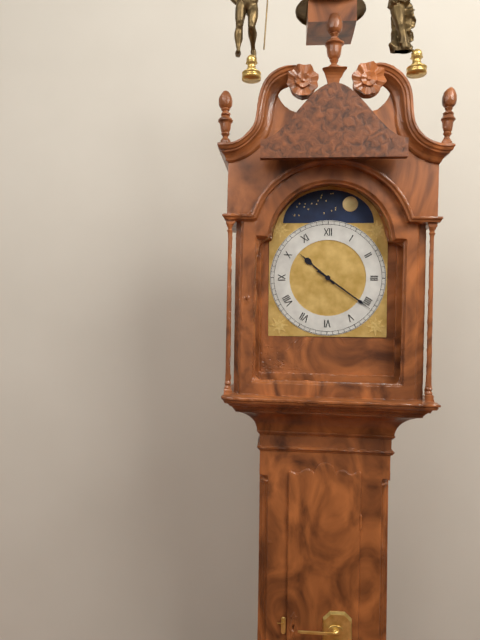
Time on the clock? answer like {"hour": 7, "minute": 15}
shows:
{"hour": 10, "minute": 21}
